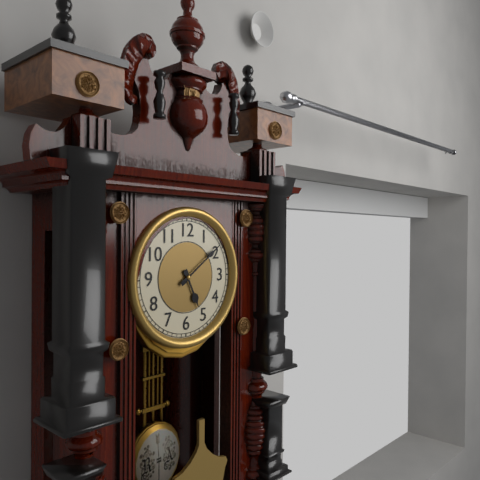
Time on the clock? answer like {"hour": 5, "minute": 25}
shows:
{"hour": 5, "minute": 9}
